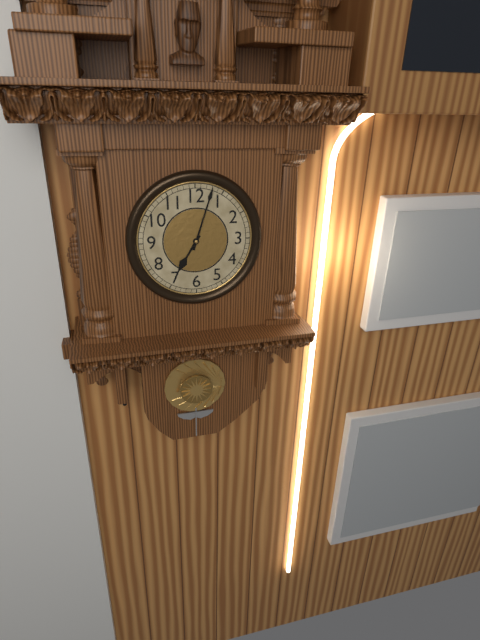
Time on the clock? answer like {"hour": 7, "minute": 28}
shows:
{"hour": 7, "minute": 3}
